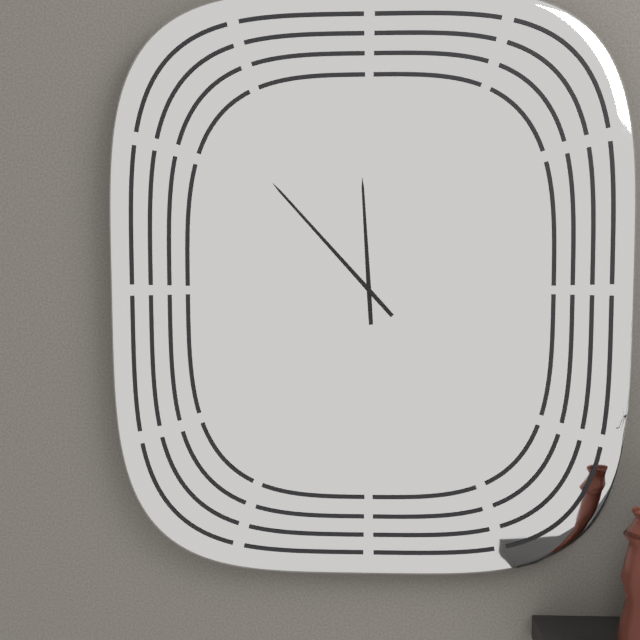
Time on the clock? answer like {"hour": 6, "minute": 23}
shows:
{"hour": 11, "minute": 53}
